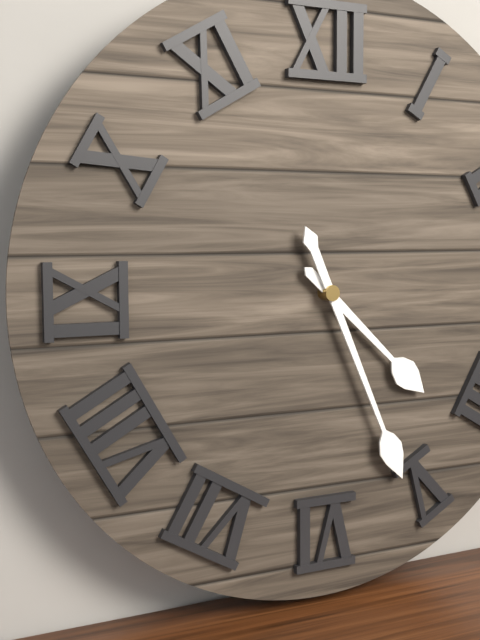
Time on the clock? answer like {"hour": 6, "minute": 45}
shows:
{"hour": 4, "minute": 26}
